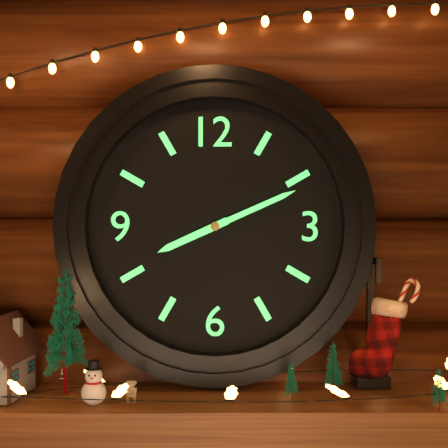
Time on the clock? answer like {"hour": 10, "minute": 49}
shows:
{"hour": 8, "minute": 11}
